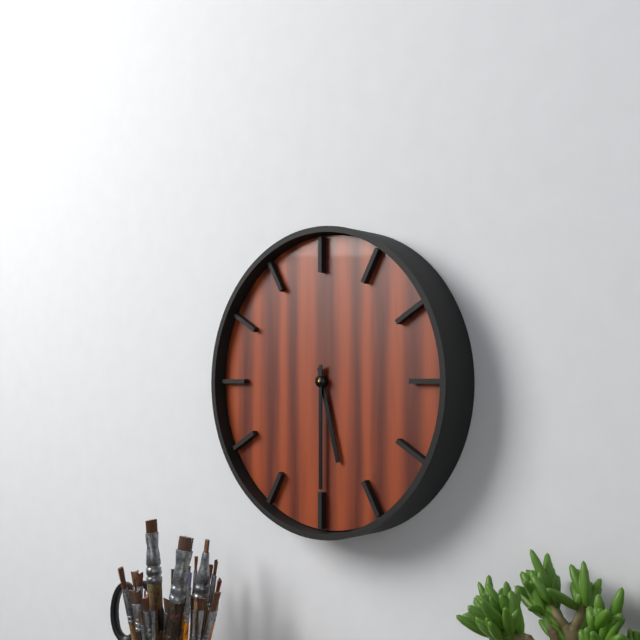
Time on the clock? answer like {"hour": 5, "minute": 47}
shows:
{"hour": 5, "minute": 30}
